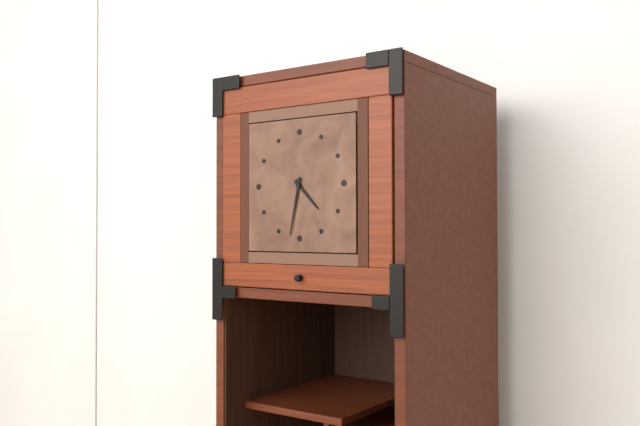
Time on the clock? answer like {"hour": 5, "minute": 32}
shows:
{"hour": 4, "minute": 32}
